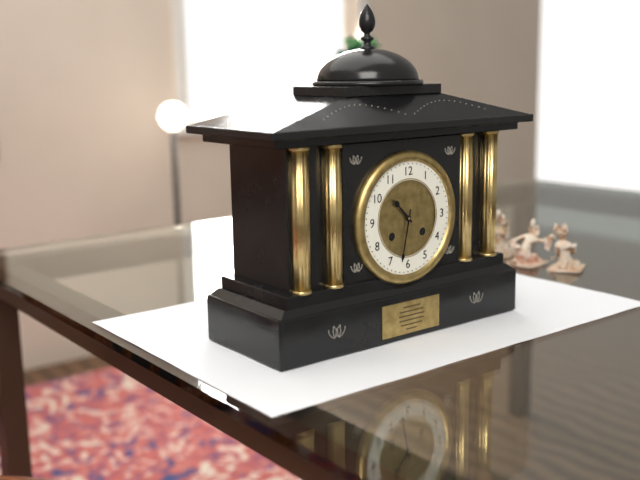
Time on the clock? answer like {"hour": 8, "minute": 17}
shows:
{"hour": 10, "minute": 32}
